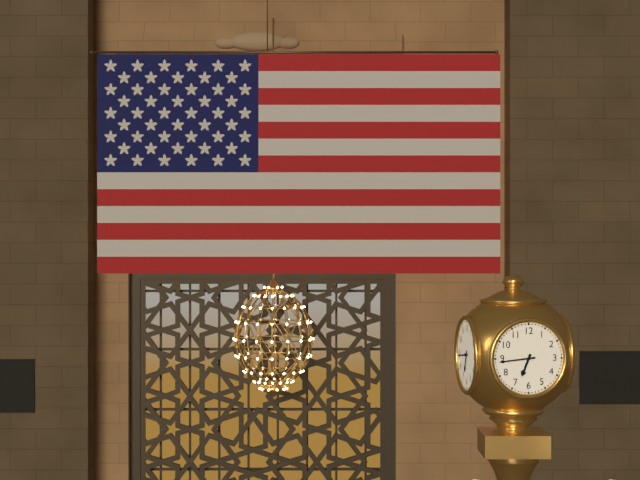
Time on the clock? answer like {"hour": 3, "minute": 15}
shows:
{"hour": 6, "minute": 44}
